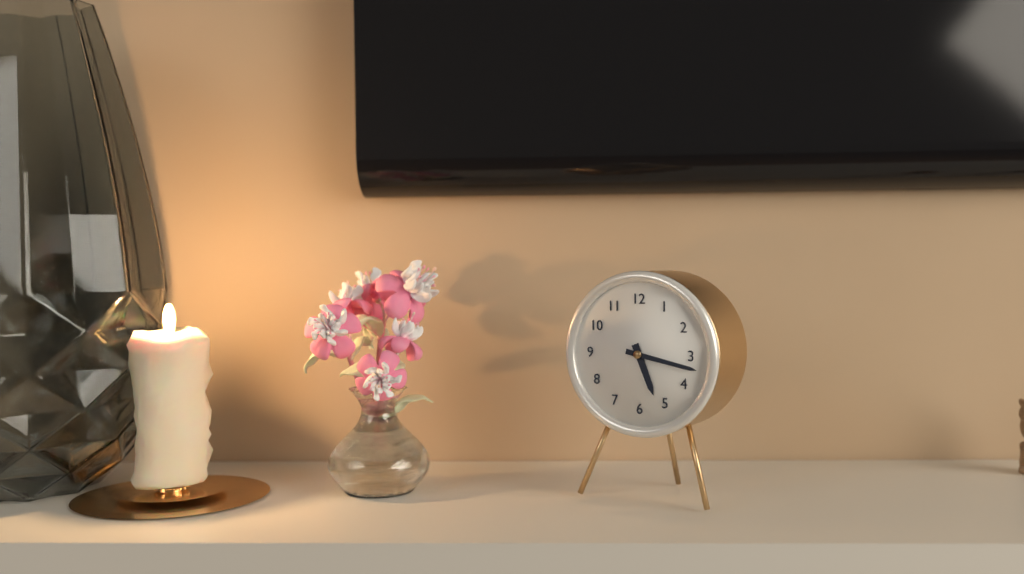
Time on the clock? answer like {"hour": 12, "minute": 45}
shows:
{"hour": 5, "minute": 17}
